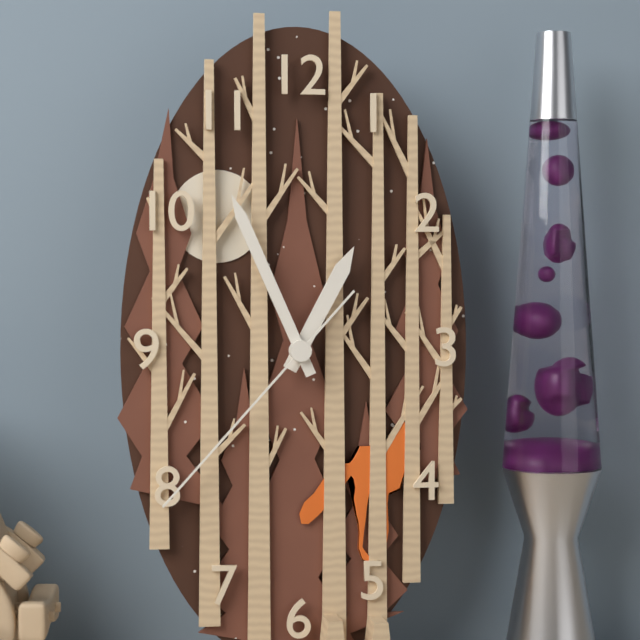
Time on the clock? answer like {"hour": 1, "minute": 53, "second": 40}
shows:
{"hour": 12, "minute": 56, "second": 37}
